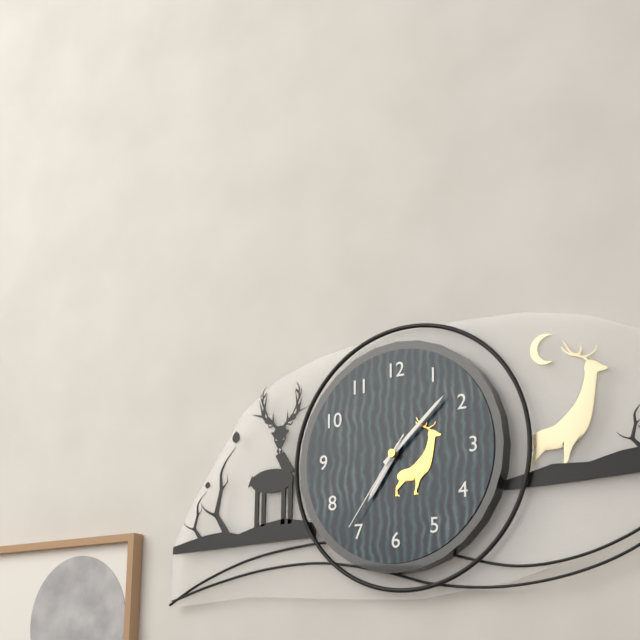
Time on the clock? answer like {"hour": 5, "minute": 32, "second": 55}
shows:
{"hour": 7, "minute": 8, "second": 36}
